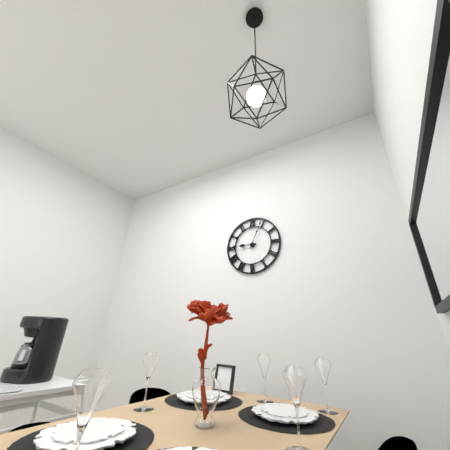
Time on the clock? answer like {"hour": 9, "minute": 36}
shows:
{"hour": 9, "minute": 4}
